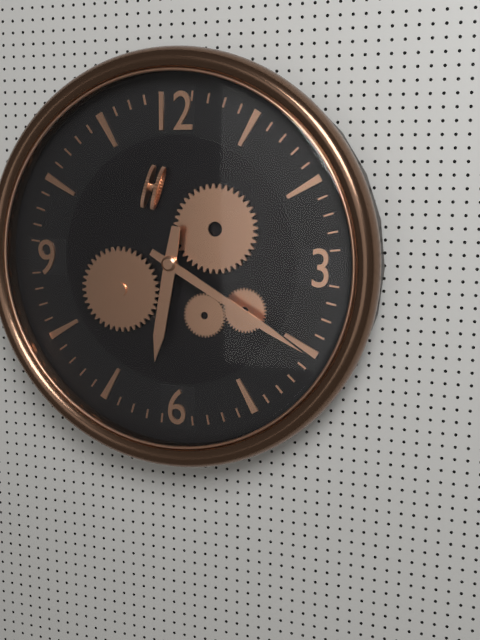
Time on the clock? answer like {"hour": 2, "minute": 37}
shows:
{"hour": 6, "minute": 20}
